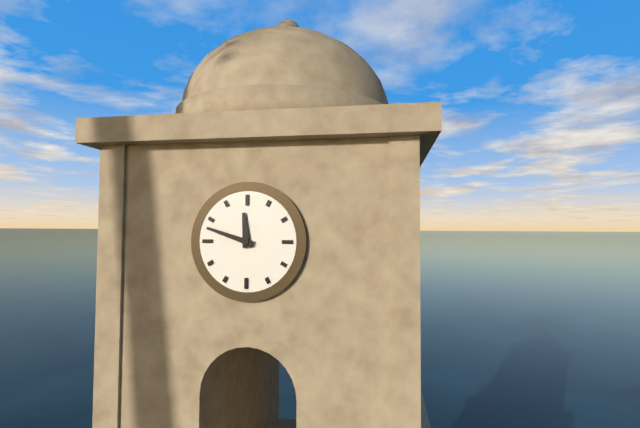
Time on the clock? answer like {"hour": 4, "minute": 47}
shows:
{"hour": 11, "minute": 48}
